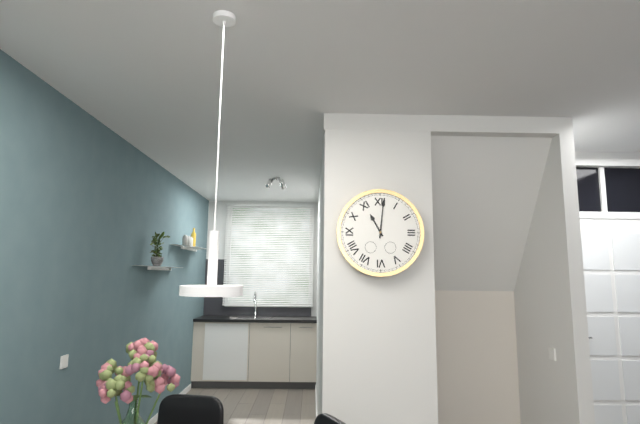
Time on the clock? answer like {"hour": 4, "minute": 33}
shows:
{"hour": 11, "minute": 1}
